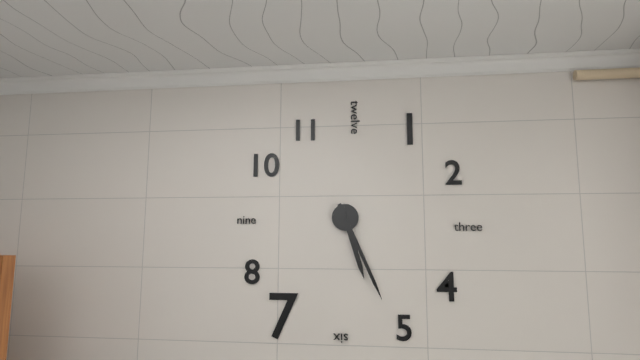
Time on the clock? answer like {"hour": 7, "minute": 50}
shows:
{"hour": 5, "minute": 26}
